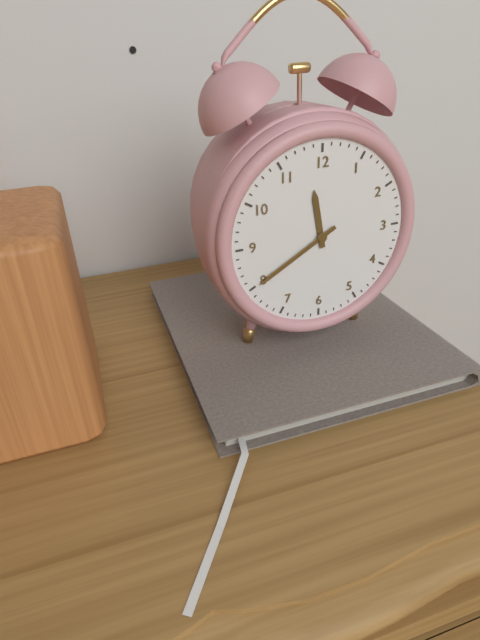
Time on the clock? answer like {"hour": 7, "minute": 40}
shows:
{"hour": 11, "minute": 40}
